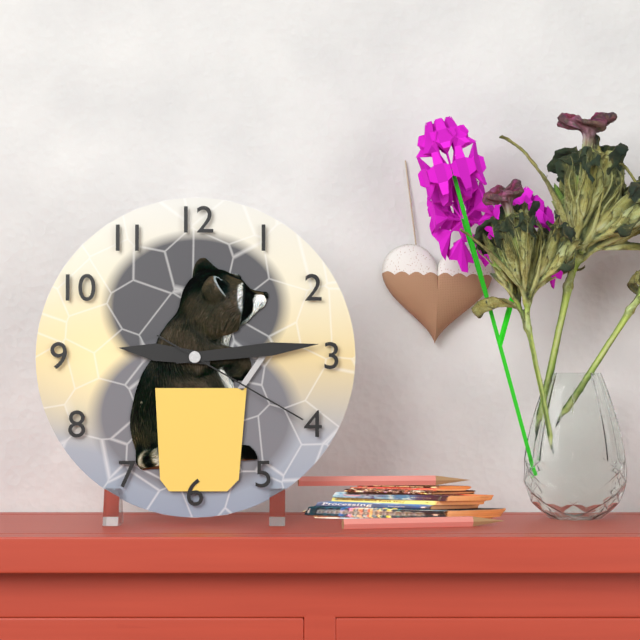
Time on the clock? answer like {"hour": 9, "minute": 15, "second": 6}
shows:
{"hour": 9, "minute": 14, "second": 20}
